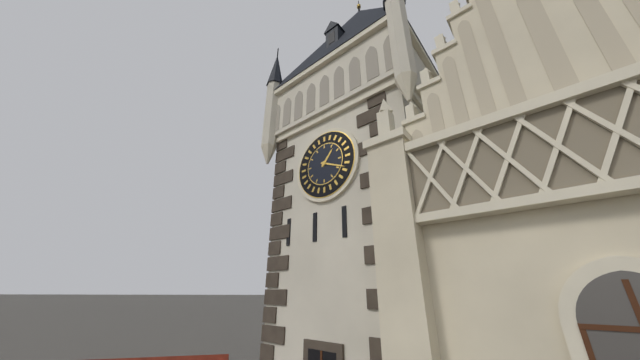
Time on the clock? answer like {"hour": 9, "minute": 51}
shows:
{"hour": 1, "minute": 19}
